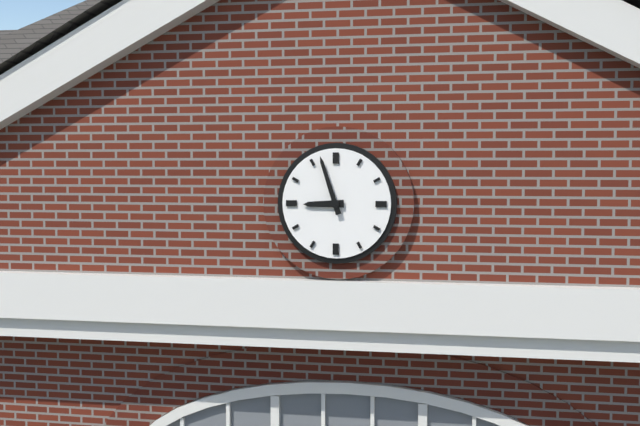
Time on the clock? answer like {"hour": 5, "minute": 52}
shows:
{"hour": 8, "minute": 57}
